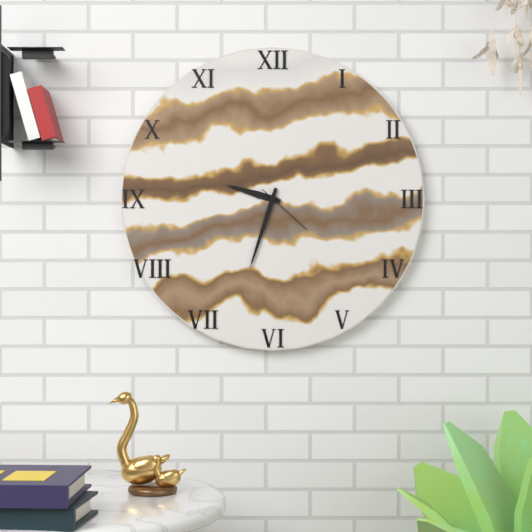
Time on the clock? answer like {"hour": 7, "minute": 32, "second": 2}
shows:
{"hour": 9, "minute": 33, "second": 22}
